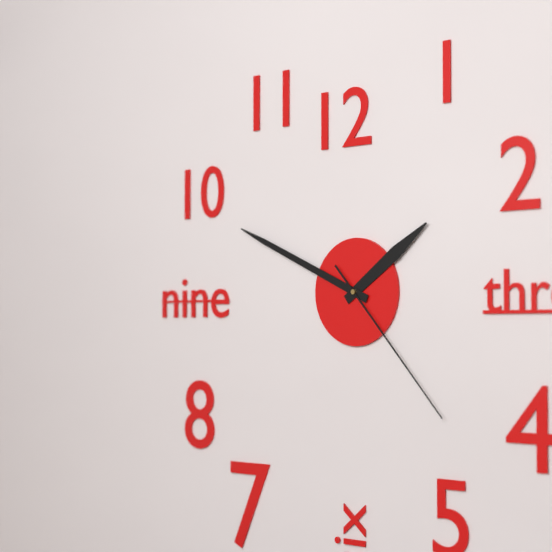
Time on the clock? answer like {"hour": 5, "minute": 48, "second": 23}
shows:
{"hour": 1, "minute": 49, "second": 23}
